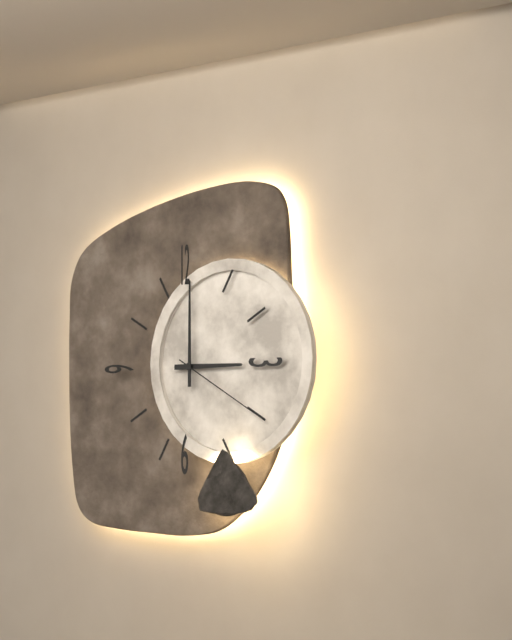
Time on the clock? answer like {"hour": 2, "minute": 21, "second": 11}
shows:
{"hour": 3, "minute": 0, "second": 20}
